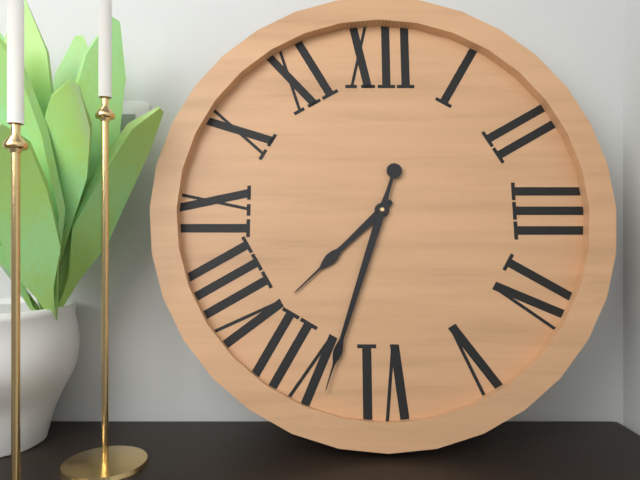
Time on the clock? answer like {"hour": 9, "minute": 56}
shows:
{"hour": 7, "minute": 33}
